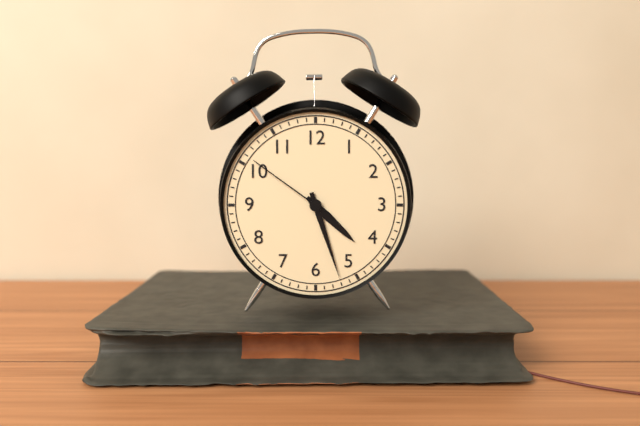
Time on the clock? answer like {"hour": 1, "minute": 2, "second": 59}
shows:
{"hour": 4, "minute": 27, "second": 51}
